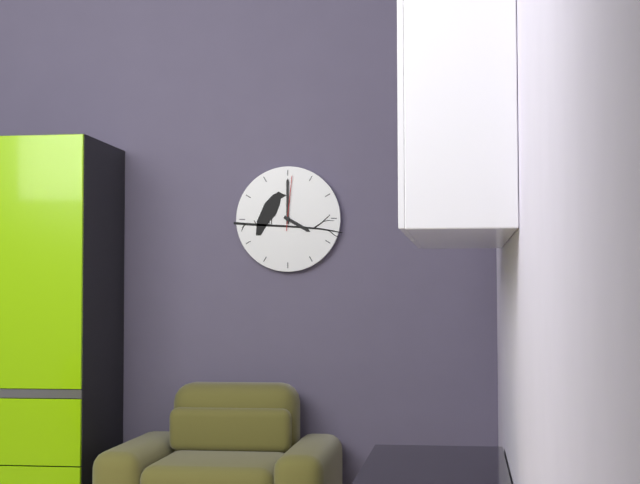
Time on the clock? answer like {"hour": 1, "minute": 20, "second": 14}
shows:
{"hour": 4, "minute": 0, "second": 1}
